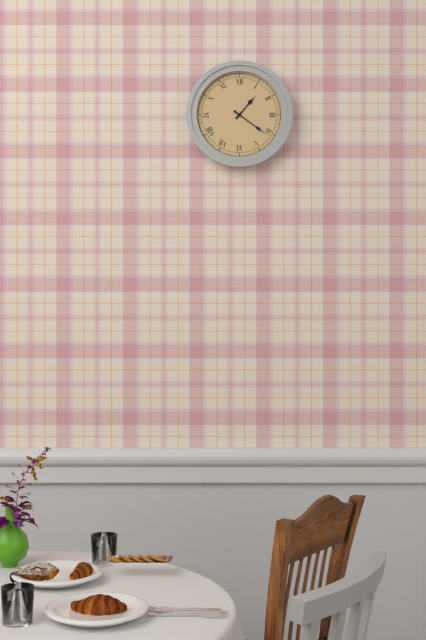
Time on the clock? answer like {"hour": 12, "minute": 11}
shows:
{"hour": 1, "minute": 21}
